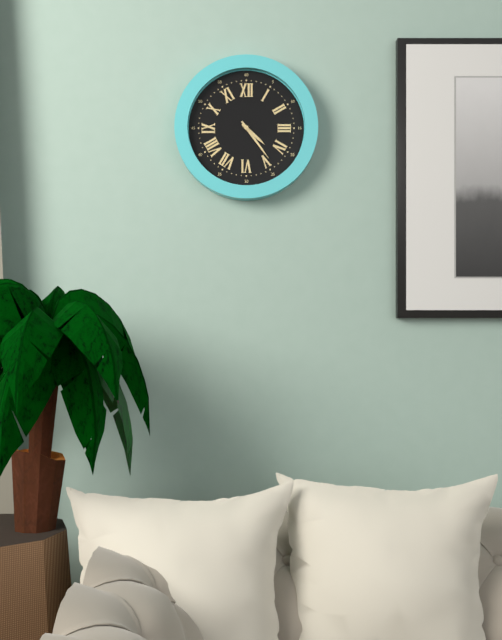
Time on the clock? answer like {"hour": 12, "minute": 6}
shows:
{"hour": 4, "minute": 24}
